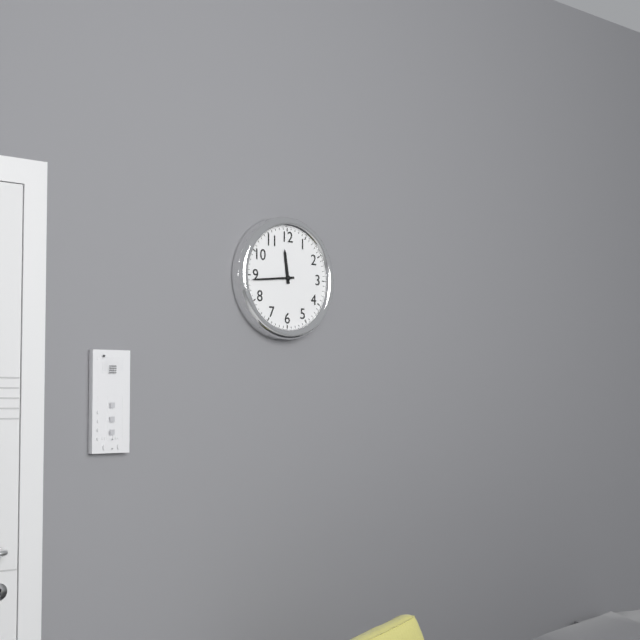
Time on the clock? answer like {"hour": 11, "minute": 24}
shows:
{"hour": 11, "minute": 44}
